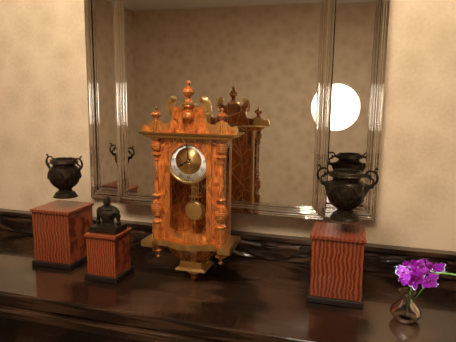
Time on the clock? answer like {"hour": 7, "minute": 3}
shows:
{"hour": 7, "minute": 59}
